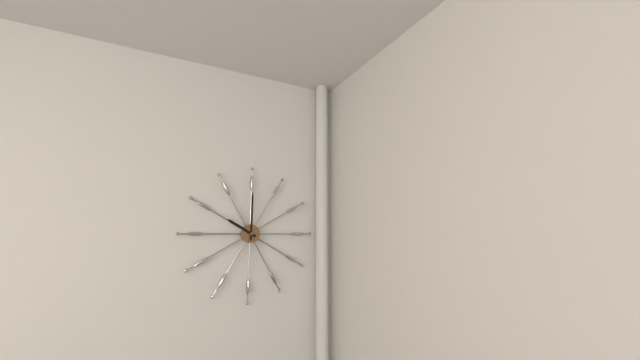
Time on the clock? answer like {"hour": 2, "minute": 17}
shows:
{"hour": 10, "minute": 0}
